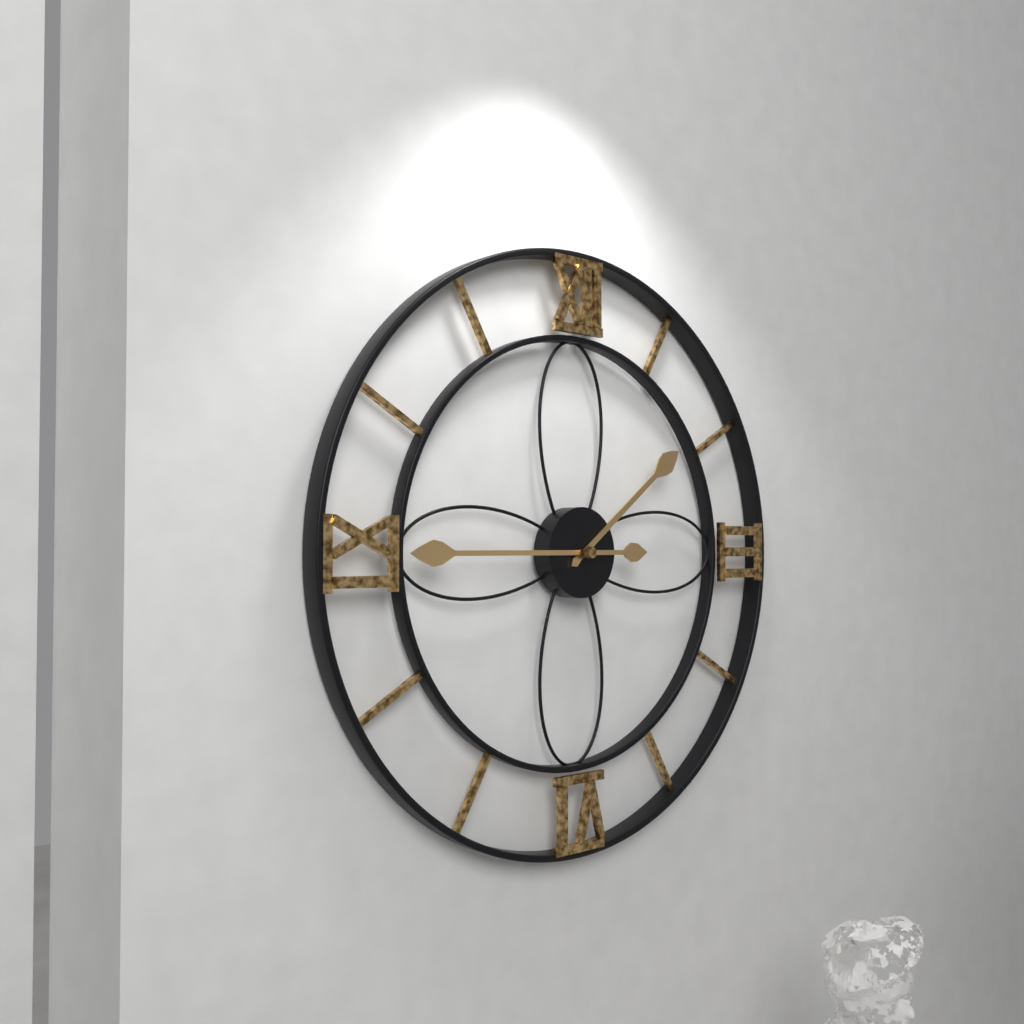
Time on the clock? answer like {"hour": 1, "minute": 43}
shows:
{"hour": 1, "minute": 45}
